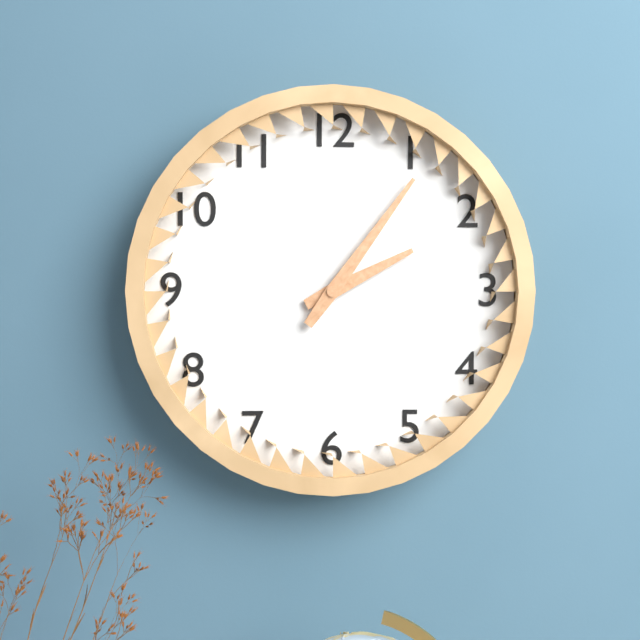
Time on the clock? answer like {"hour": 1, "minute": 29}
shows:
{"hour": 2, "minute": 6}
